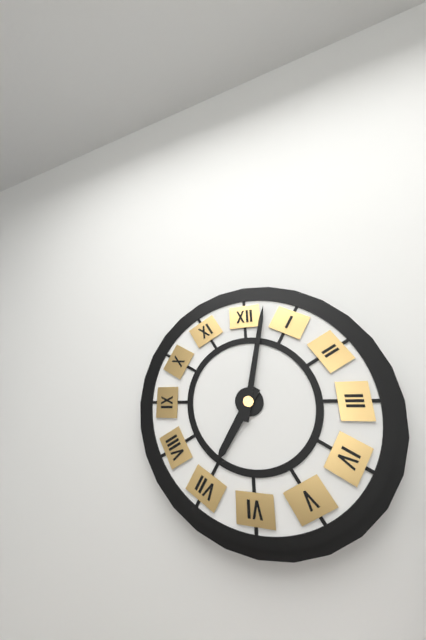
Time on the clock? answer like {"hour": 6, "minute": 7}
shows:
{"hour": 7, "minute": 2}
